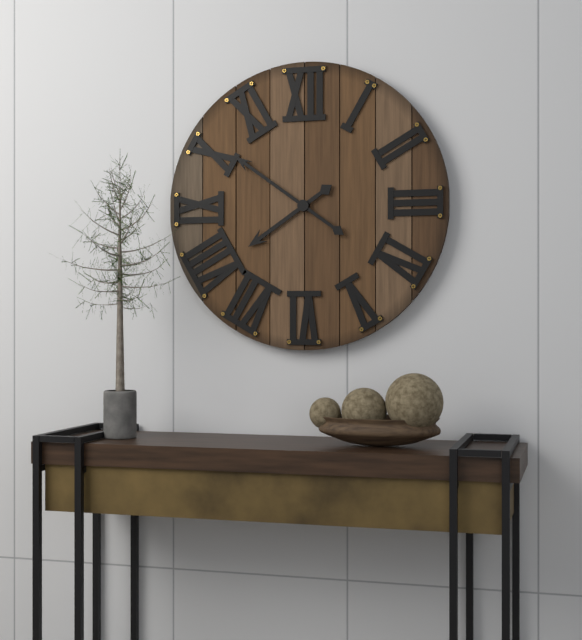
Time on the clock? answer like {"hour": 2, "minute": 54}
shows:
{"hour": 7, "minute": 51}
